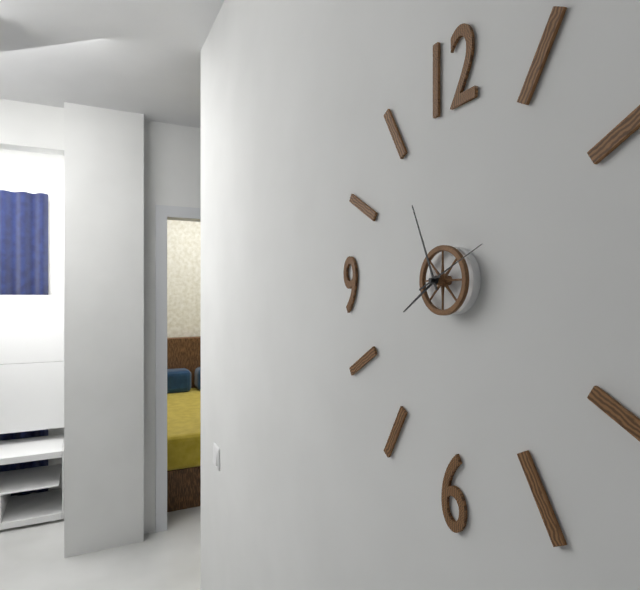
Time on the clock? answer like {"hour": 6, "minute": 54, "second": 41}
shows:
{"hour": 7, "minute": 56, "second": 11}
